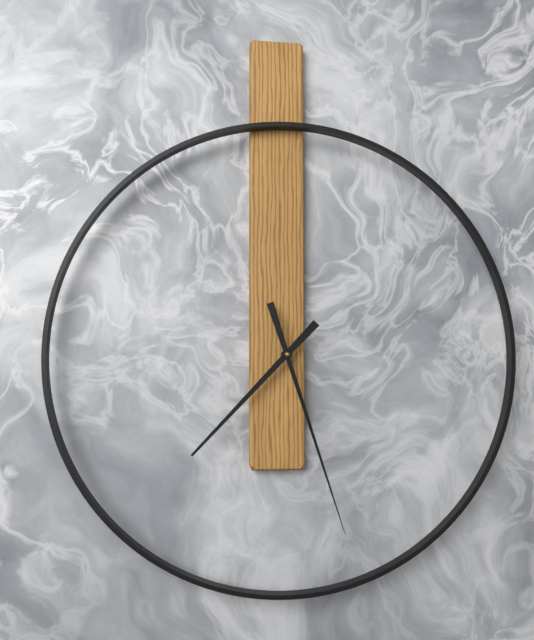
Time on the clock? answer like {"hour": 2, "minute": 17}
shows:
{"hour": 7, "minute": 27}
